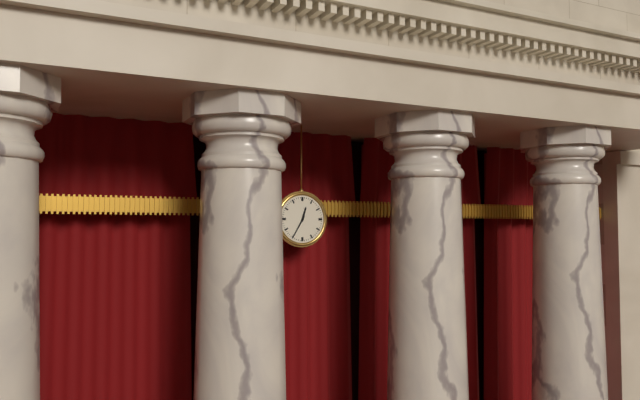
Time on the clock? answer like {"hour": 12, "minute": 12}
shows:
{"hour": 12, "minute": 35}
